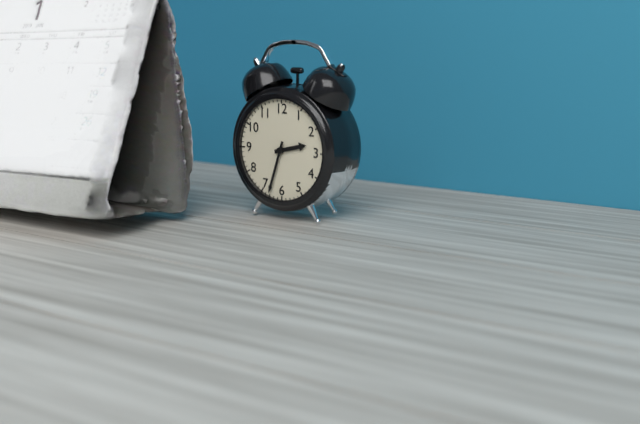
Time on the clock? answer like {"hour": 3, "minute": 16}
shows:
{"hour": 2, "minute": 33}
